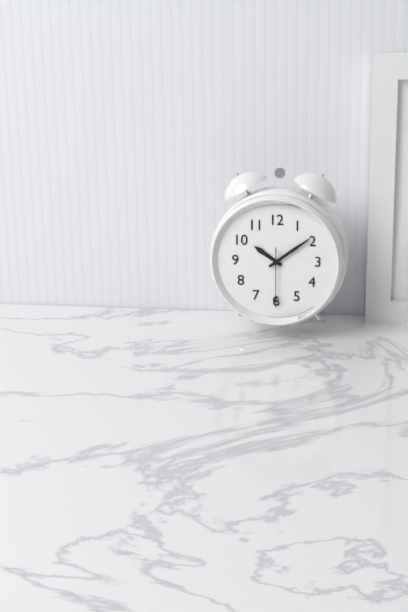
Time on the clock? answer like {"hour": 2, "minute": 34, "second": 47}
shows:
{"hour": 10, "minute": 9, "second": 30}
